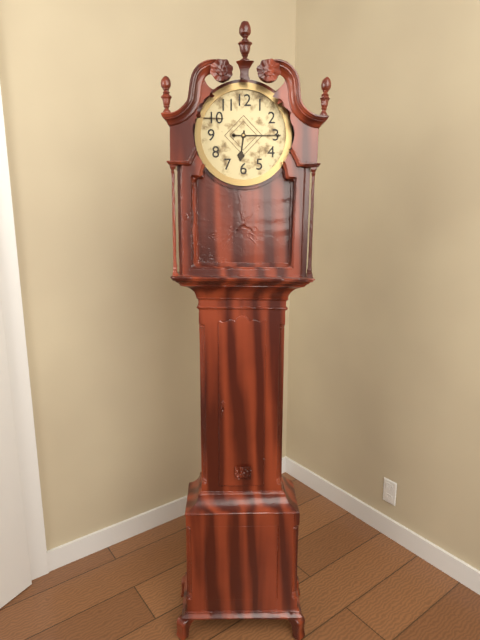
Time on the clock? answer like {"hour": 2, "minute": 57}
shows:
{"hour": 6, "minute": 15}
